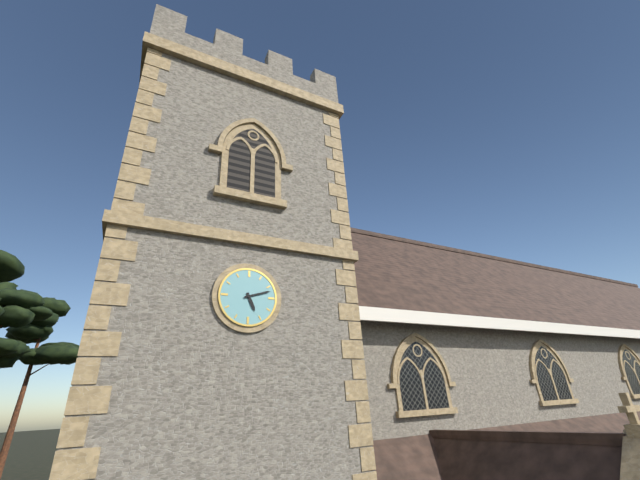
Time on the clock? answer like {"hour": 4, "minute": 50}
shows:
{"hour": 5, "minute": 12}
